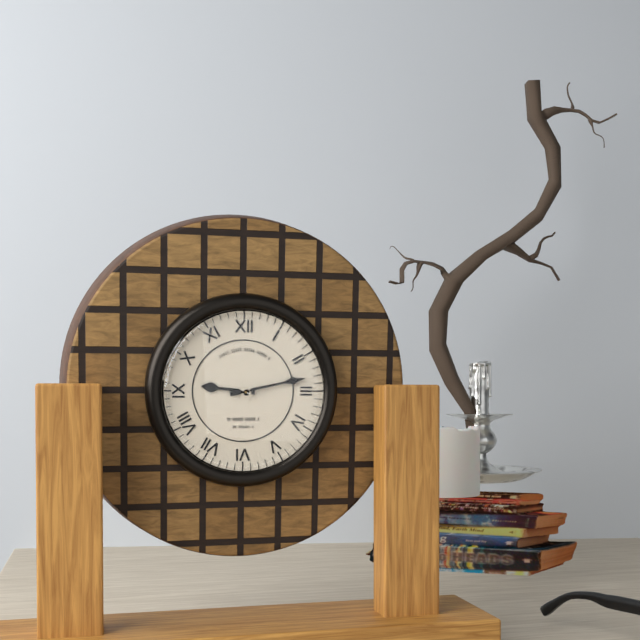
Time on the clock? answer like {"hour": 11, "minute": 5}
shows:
{"hour": 9, "minute": 13}
